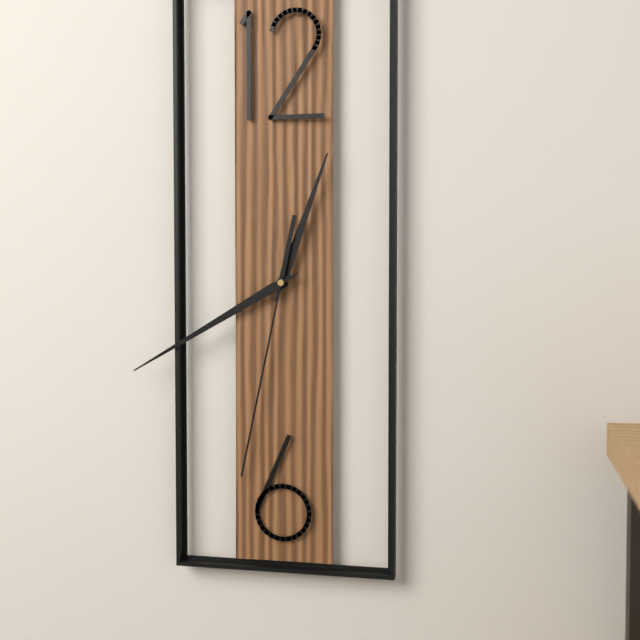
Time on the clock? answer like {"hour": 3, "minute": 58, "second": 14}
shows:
{"hour": 12, "minute": 40, "second": 32}
